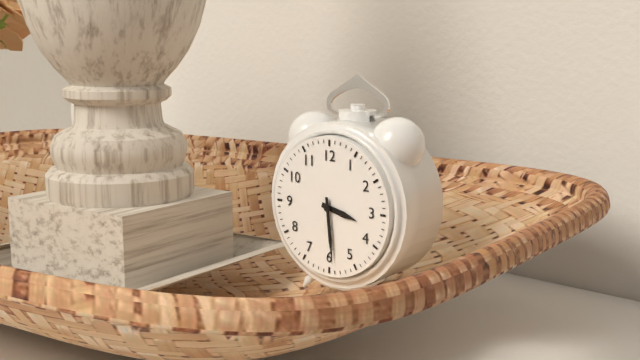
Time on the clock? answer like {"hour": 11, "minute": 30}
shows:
{"hour": 3, "minute": 29}
